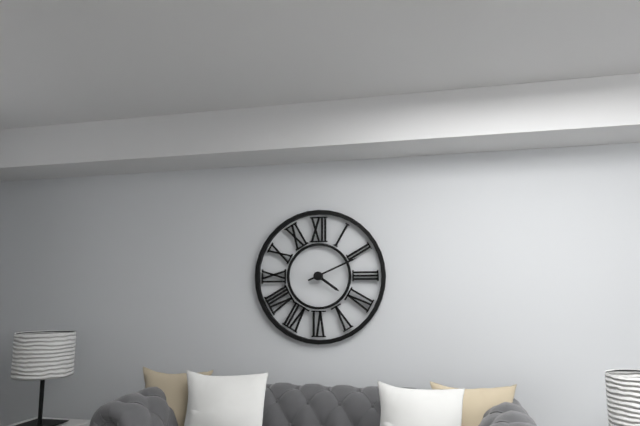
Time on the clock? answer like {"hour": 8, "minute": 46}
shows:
{"hour": 4, "minute": 11}
